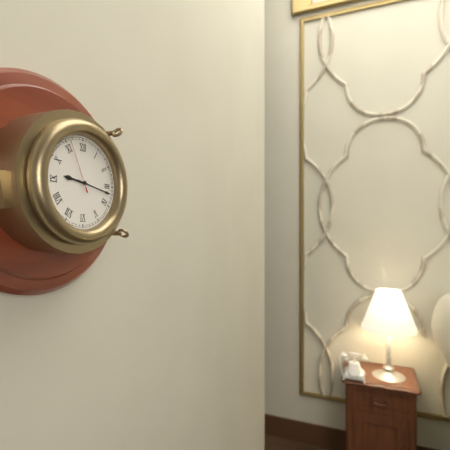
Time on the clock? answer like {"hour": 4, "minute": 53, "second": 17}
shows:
{"hour": 9, "minute": 17, "second": 56}
